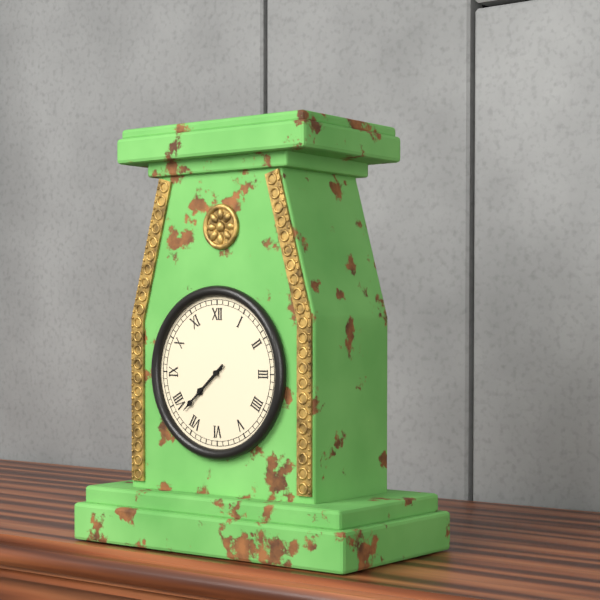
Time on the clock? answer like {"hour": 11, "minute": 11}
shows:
{"hour": 7, "minute": 38}
